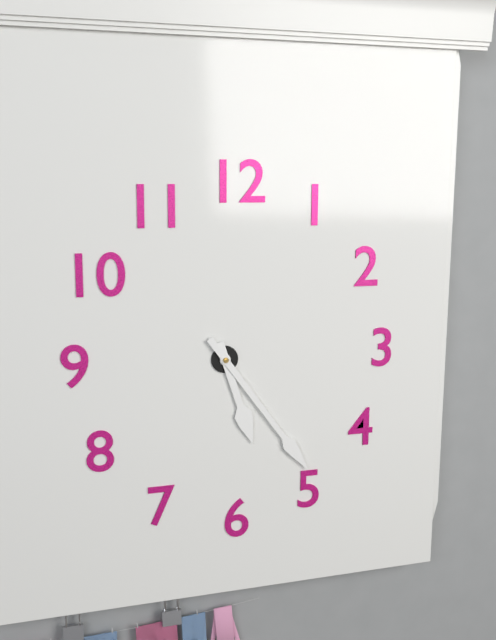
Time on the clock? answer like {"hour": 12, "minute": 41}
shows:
{"hour": 5, "minute": 24}
